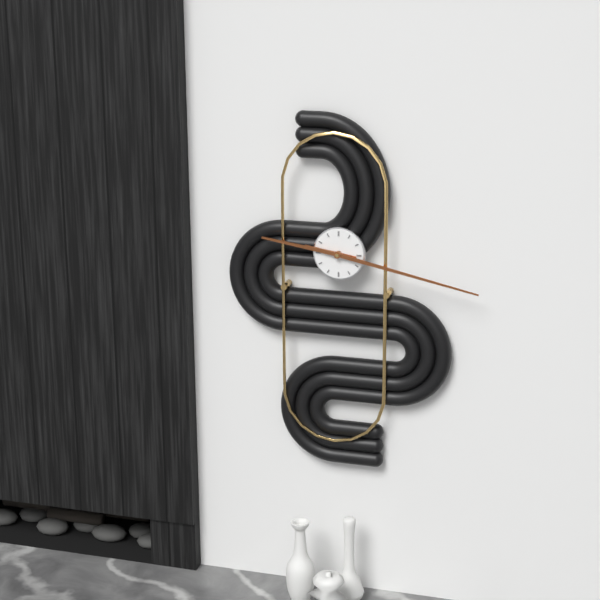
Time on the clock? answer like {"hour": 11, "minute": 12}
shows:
{"hour": 9, "minute": 17}
